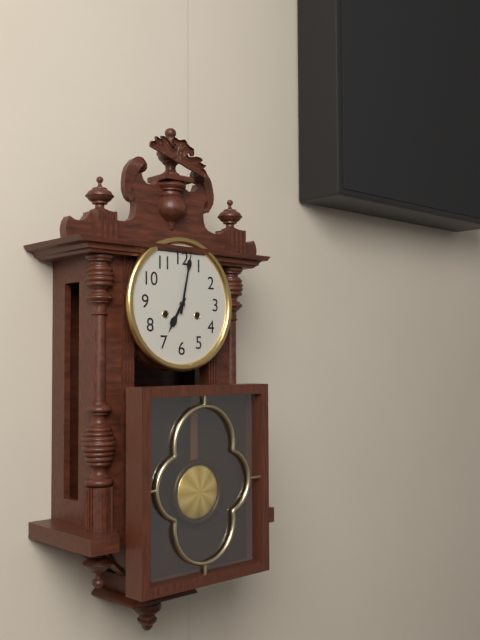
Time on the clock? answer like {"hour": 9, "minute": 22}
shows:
{"hour": 7, "minute": 2}
